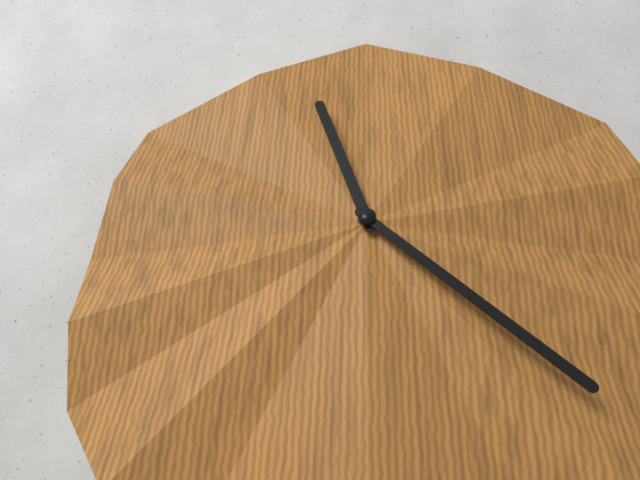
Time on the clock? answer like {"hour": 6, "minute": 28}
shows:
{"hour": 11, "minute": 22}
